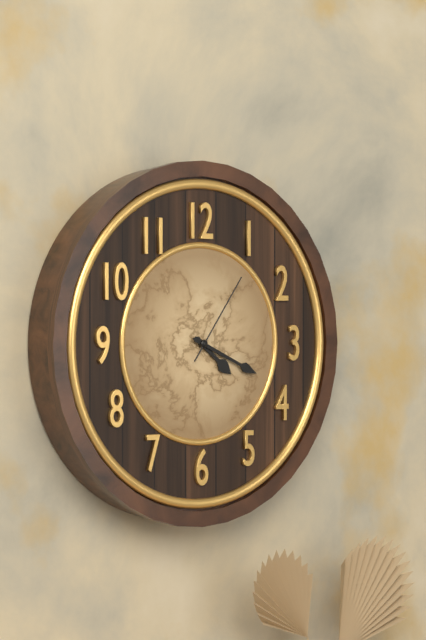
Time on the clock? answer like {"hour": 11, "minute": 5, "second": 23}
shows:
{"hour": 4, "minute": 19, "second": 6}
